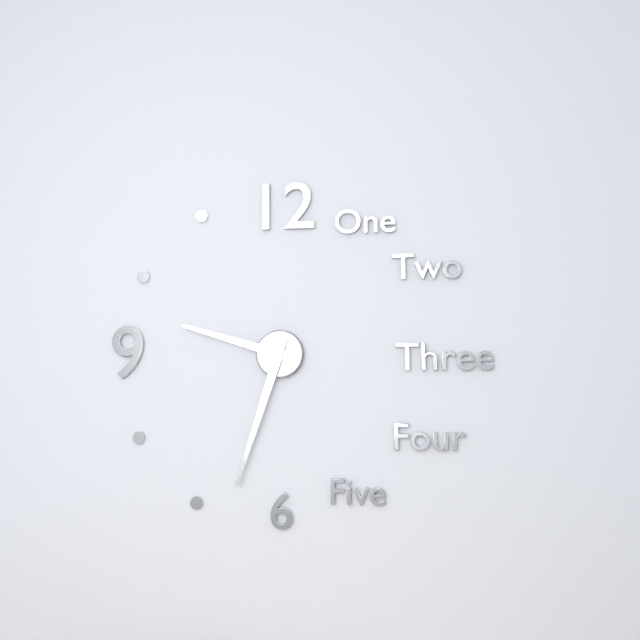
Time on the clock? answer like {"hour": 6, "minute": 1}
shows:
{"hour": 9, "minute": 33}
